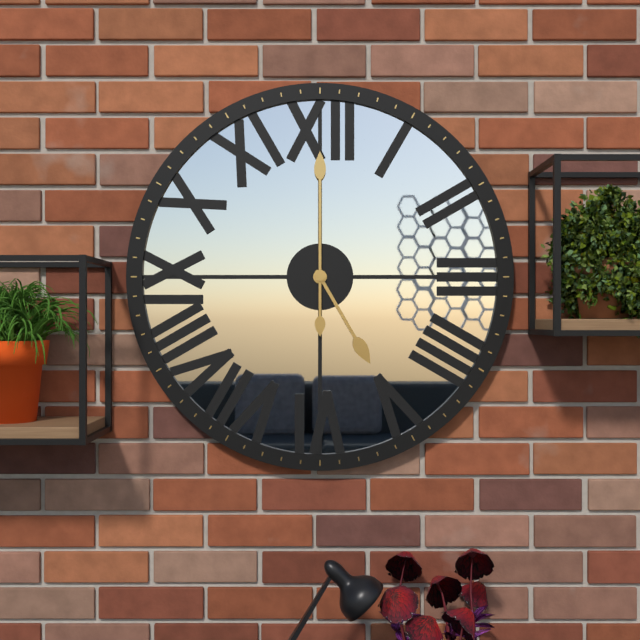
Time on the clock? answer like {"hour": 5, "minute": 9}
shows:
{"hour": 5, "minute": 0}
